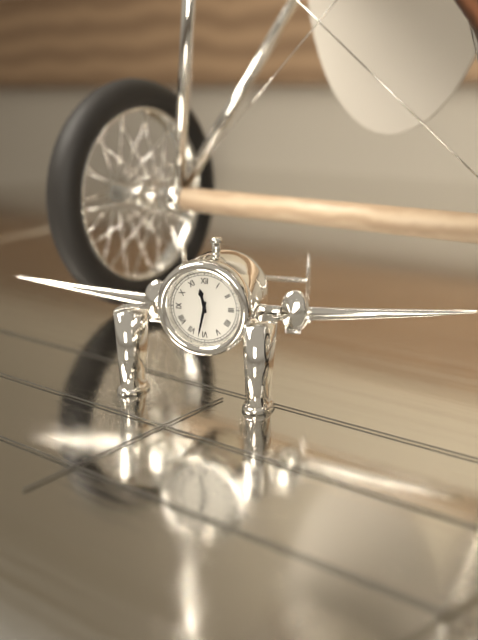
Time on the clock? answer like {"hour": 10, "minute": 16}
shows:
{"hour": 11, "minute": 32}
